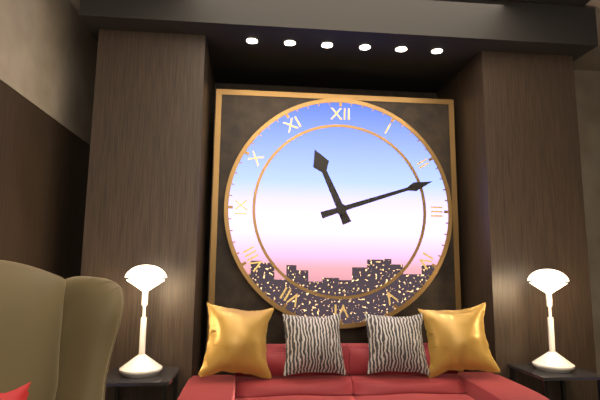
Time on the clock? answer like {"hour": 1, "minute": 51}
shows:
{"hour": 11, "minute": 12}
